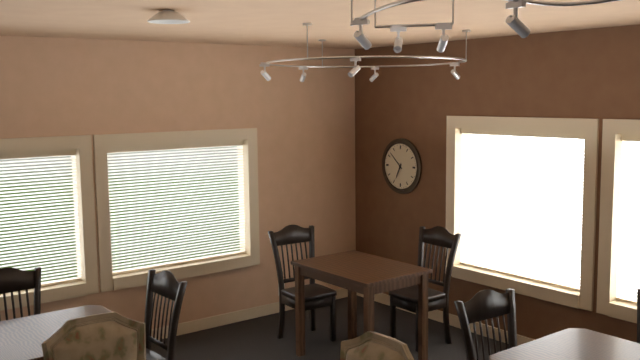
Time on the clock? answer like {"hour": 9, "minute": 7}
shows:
{"hour": 6, "minute": 52}
